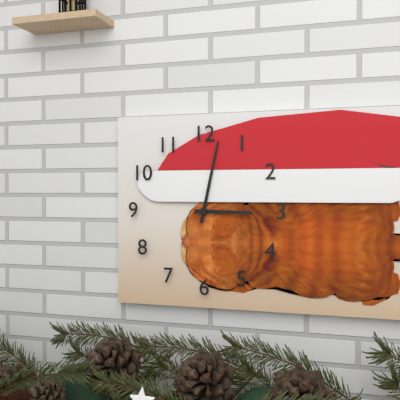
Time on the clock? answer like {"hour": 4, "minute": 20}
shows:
{"hour": 3, "minute": 2}
